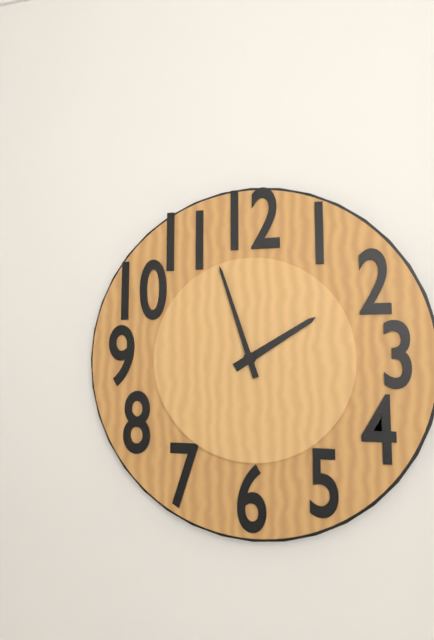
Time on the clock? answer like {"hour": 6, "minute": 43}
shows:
{"hour": 1, "minute": 57}
